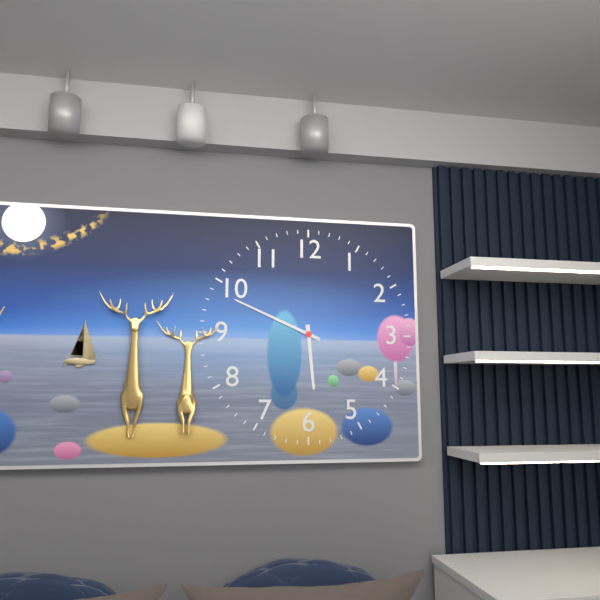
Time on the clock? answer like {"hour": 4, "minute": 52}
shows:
{"hour": 5, "minute": 49}
